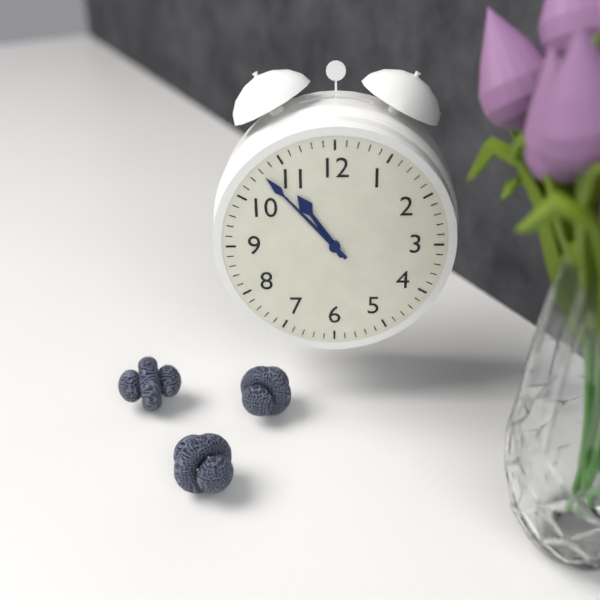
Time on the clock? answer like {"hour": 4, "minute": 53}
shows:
{"hour": 10, "minute": 53}
